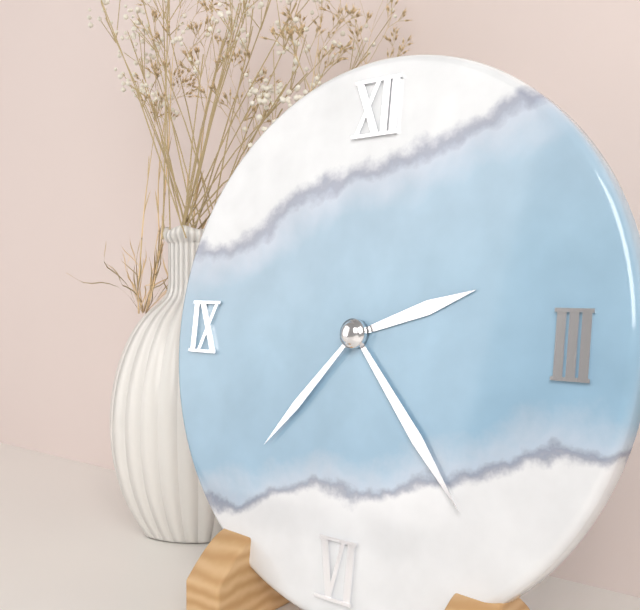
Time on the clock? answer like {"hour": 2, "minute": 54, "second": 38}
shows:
{"hour": 2, "minute": 23, "second": 37}
